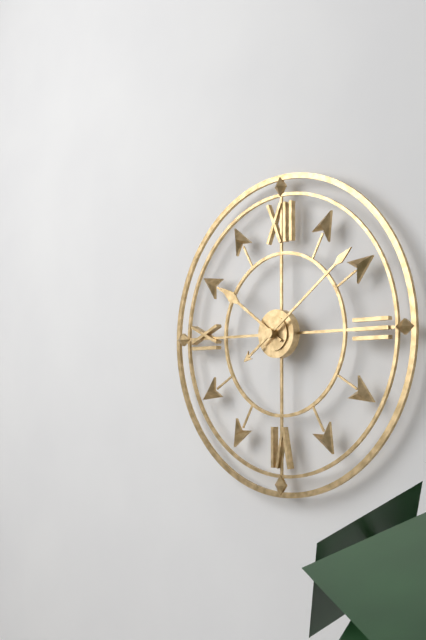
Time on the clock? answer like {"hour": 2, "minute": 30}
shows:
{"hour": 10, "minute": 9}
